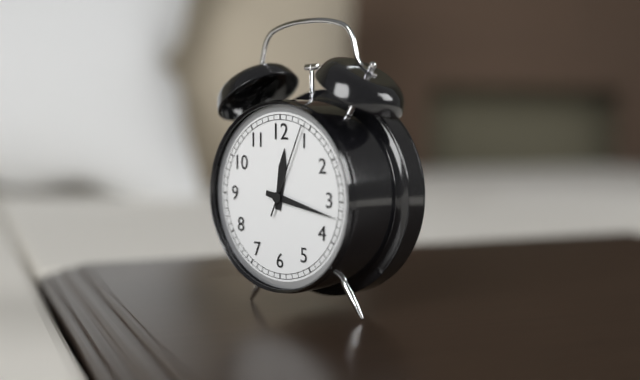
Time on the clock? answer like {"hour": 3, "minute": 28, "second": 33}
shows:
{"hour": 12, "minute": 17, "second": 4}
